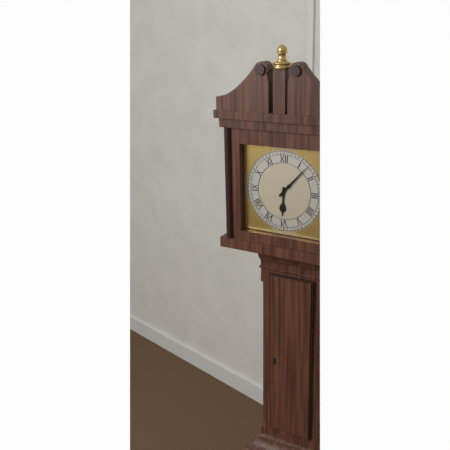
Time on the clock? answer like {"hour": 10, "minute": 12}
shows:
{"hour": 6, "minute": 7}
